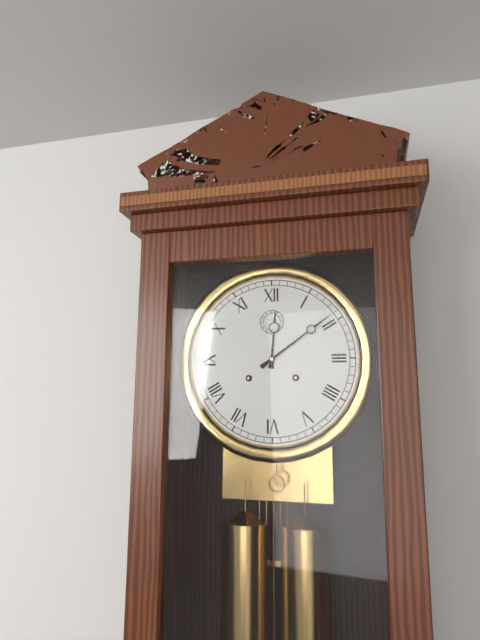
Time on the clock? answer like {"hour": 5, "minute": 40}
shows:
{"hour": 12, "minute": 9}
